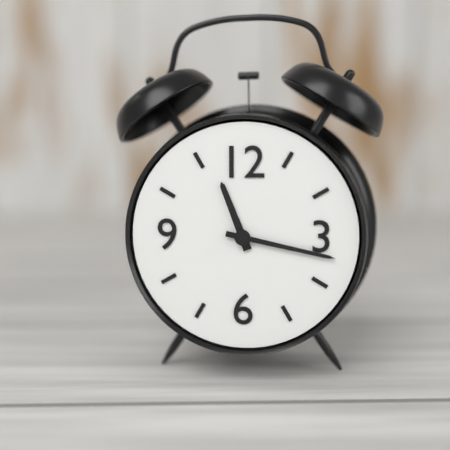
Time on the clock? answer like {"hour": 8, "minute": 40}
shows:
{"hour": 11, "minute": 17}
